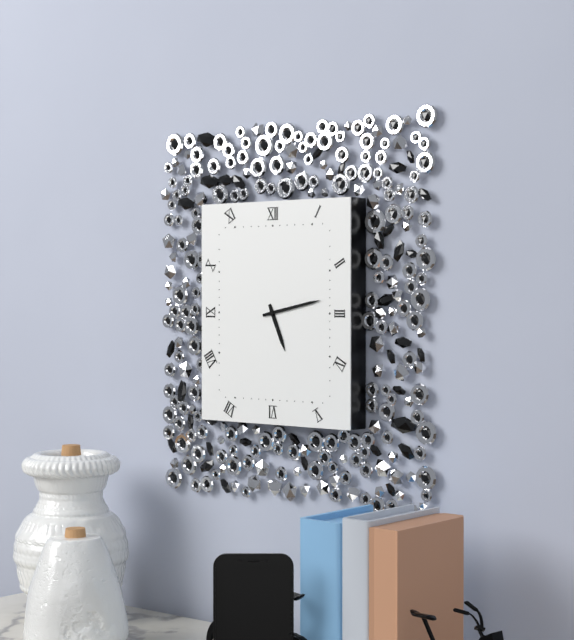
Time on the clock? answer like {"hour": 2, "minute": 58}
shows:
{"hour": 5, "minute": 13}
